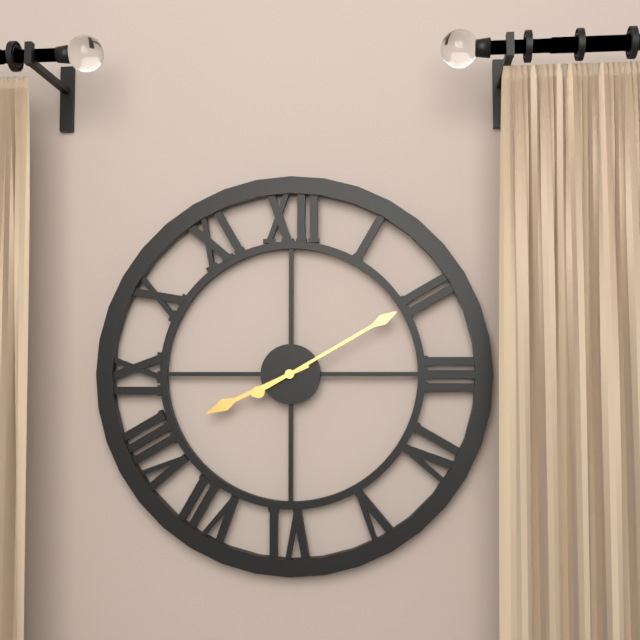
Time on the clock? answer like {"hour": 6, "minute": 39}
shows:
{"hour": 8, "minute": 10}
